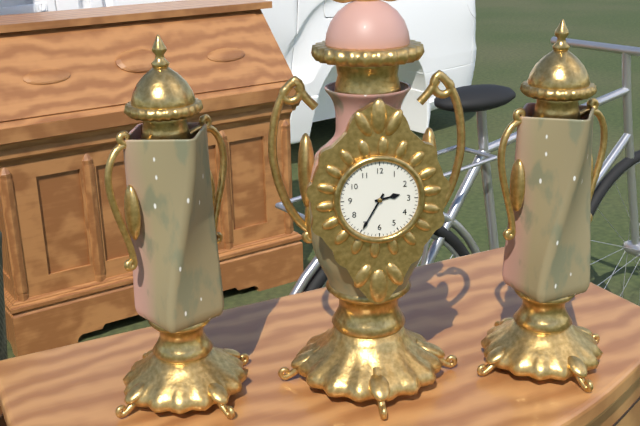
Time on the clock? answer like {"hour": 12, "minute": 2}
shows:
{"hour": 2, "minute": 35}
